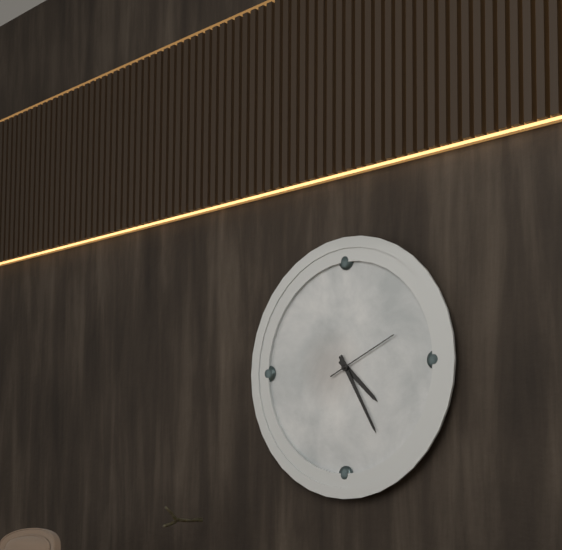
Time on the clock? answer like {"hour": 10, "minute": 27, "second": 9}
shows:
{"hour": 4, "minute": 25, "second": 11}
